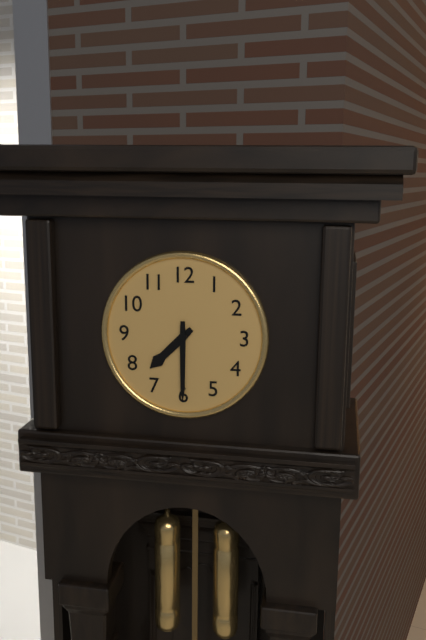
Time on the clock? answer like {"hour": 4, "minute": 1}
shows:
{"hour": 7, "minute": 30}
